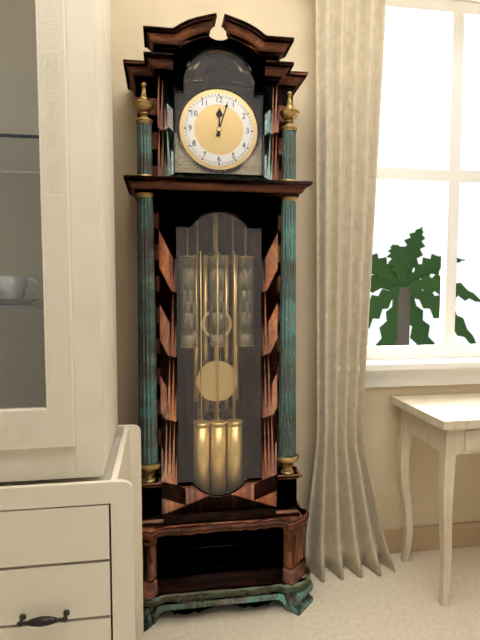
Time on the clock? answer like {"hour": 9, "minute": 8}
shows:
{"hour": 12, "minute": 3}
